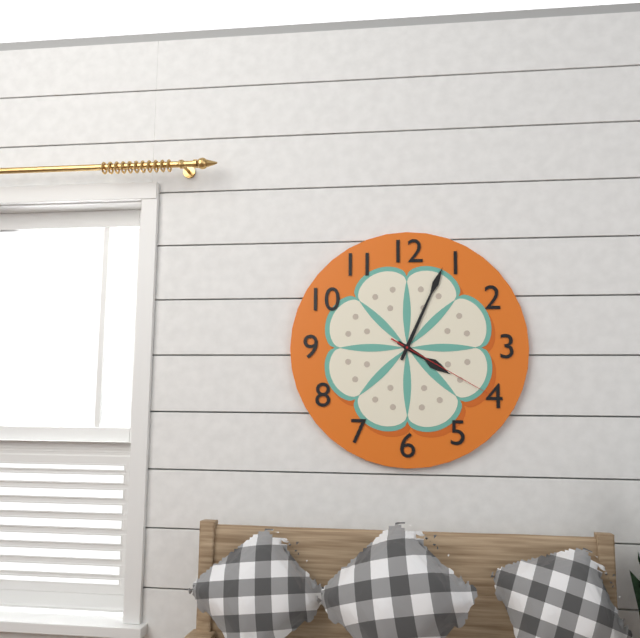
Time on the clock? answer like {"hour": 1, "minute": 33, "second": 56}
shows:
{"hour": 4, "minute": 4, "second": 20}
